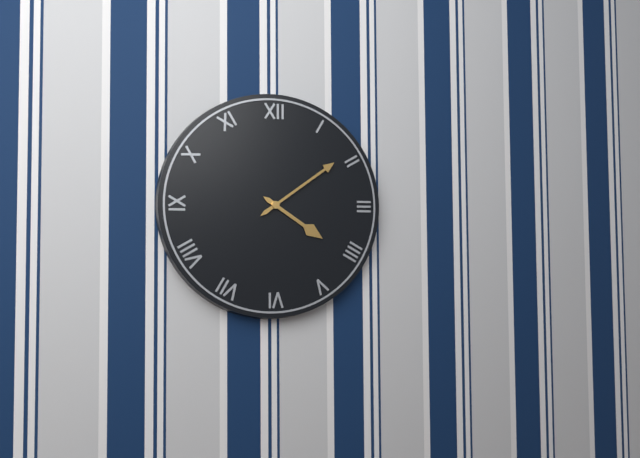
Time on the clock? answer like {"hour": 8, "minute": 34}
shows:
{"hour": 4, "minute": 9}
